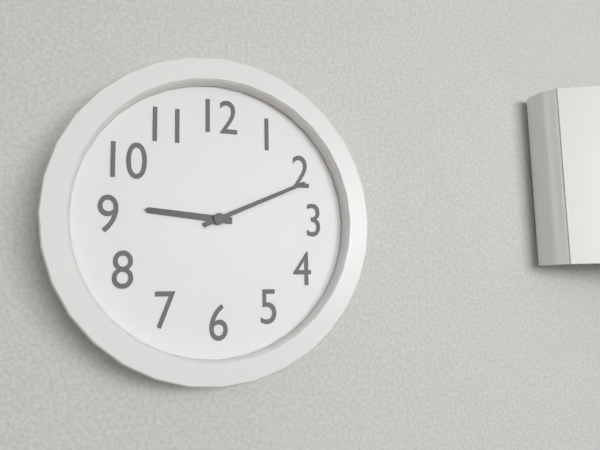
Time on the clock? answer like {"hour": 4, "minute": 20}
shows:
{"hour": 9, "minute": 11}
